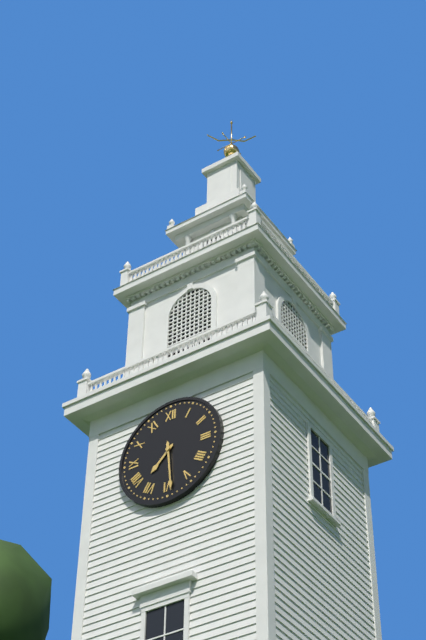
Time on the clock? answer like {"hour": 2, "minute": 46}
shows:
{"hour": 7, "minute": 29}
